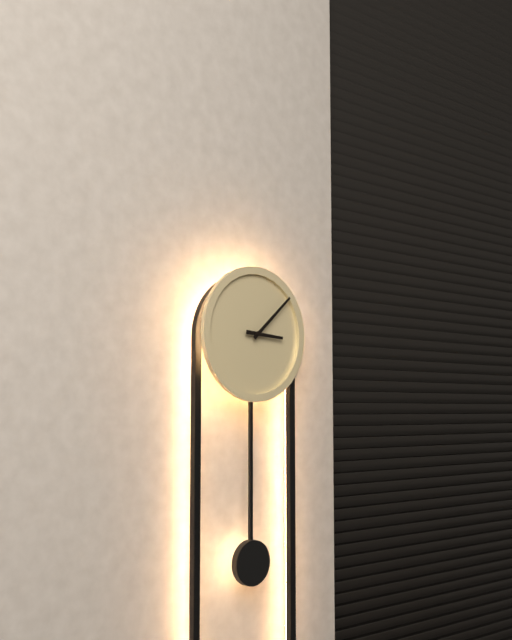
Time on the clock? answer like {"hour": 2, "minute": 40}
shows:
{"hour": 3, "minute": 8}
